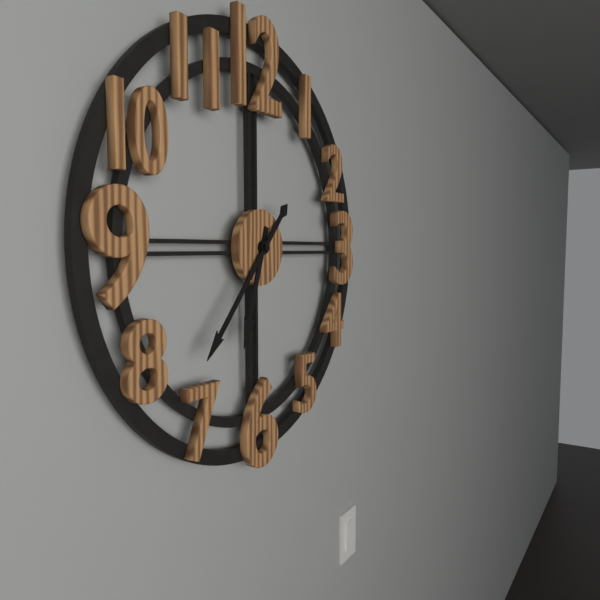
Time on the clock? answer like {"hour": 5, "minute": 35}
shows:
{"hour": 6, "minute": 37}
